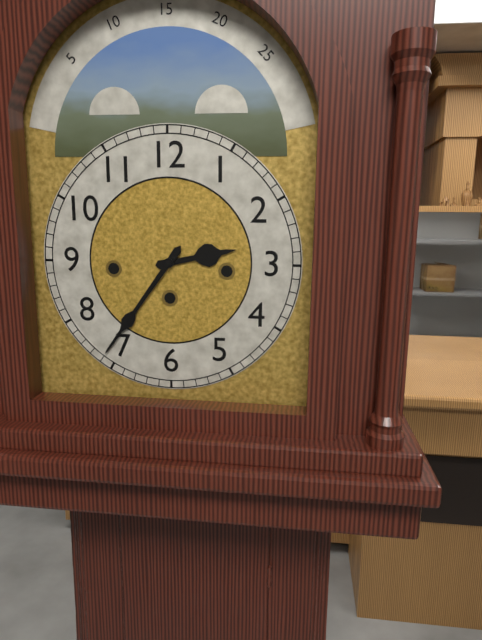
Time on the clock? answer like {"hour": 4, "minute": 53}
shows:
{"hour": 2, "minute": 36}
